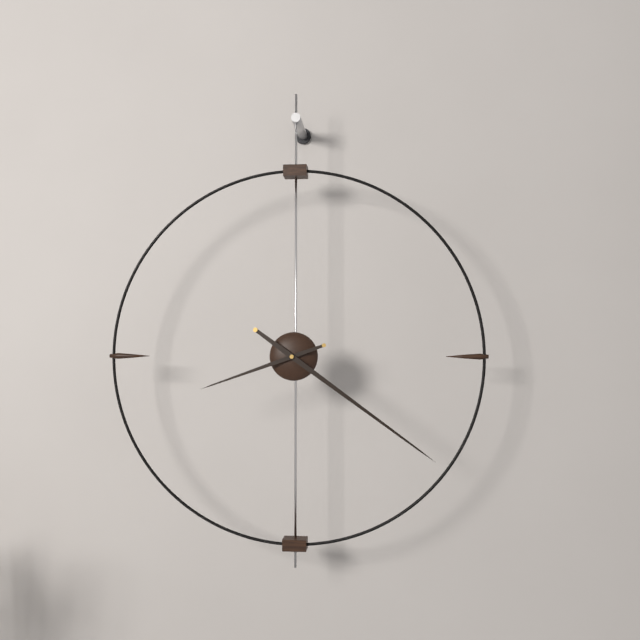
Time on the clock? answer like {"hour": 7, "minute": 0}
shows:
{"hour": 8, "minute": 21}
